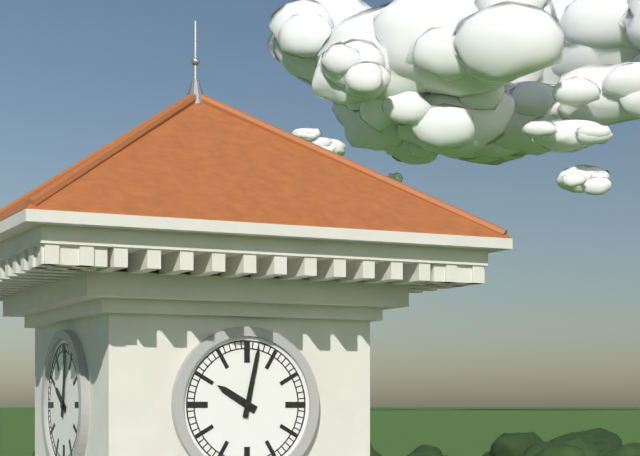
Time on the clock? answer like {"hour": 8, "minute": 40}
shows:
{"hour": 10, "minute": 2}
